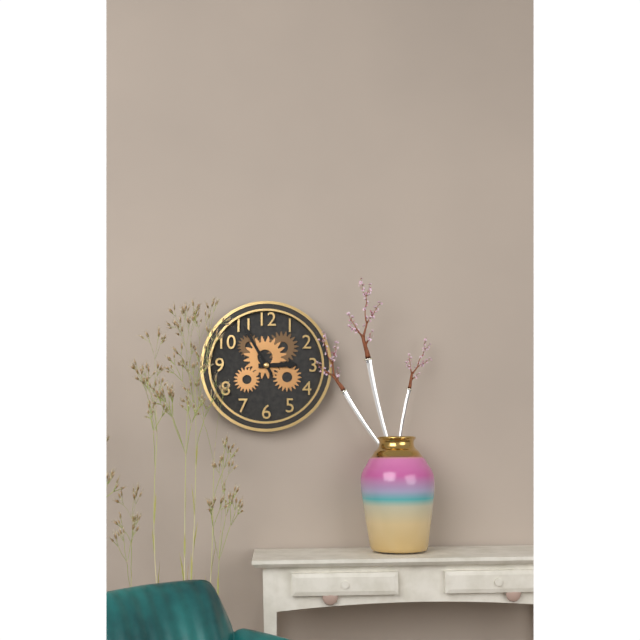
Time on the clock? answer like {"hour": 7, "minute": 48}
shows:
{"hour": 2, "minute": 55}
